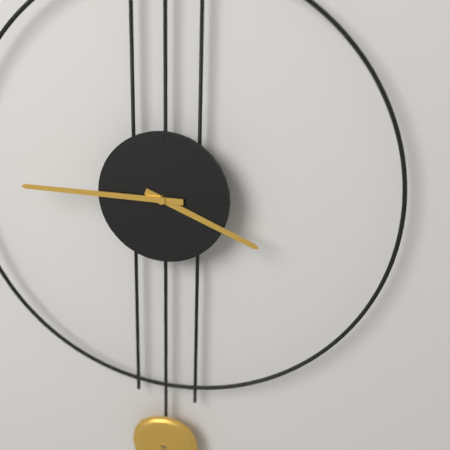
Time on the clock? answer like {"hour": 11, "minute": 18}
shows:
{"hour": 3, "minute": 45}
